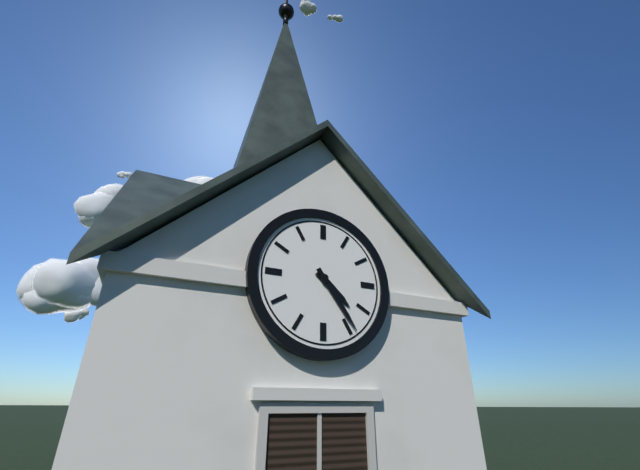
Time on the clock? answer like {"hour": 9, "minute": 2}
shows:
{"hour": 4, "minute": 24}
